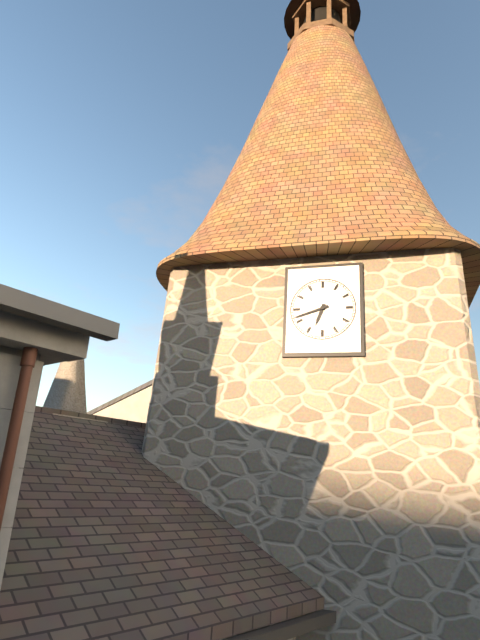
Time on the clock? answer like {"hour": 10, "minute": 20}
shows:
{"hour": 6, "minute": 42}
